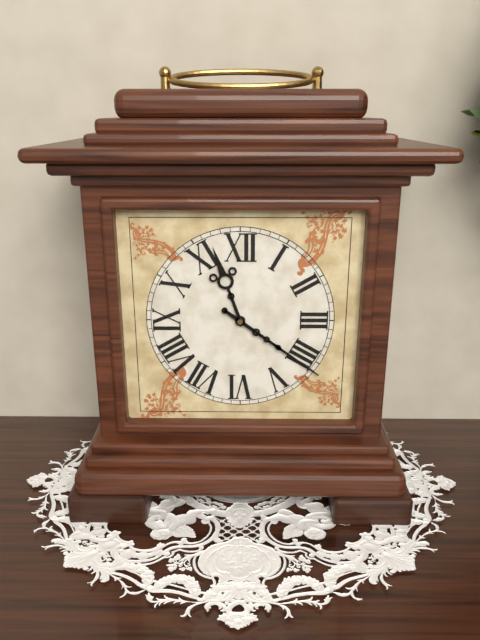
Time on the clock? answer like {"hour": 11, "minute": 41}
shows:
{"hour": 11, "minute": 21}
